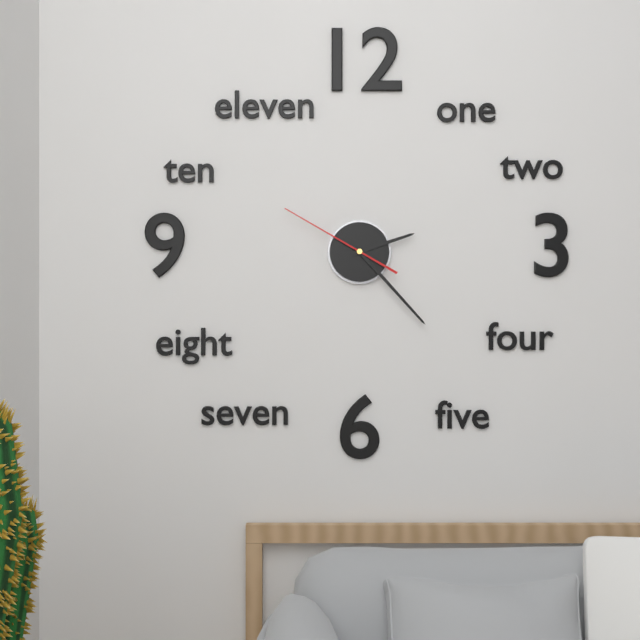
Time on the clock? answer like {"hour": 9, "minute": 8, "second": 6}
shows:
{"hour": 2, "minute": 23, "second": 50}
